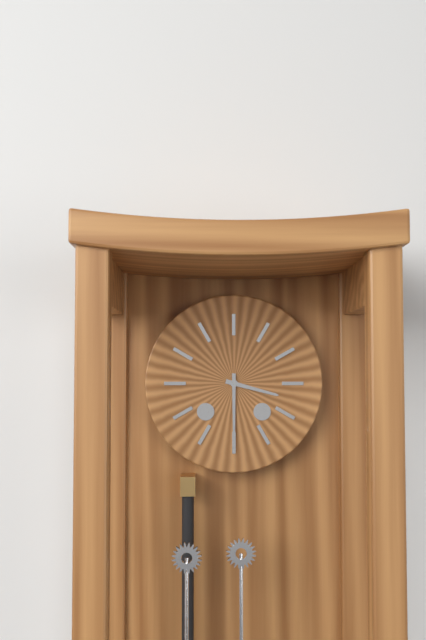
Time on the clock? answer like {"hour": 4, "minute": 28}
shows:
{"hour": 3, "minute": 30}
